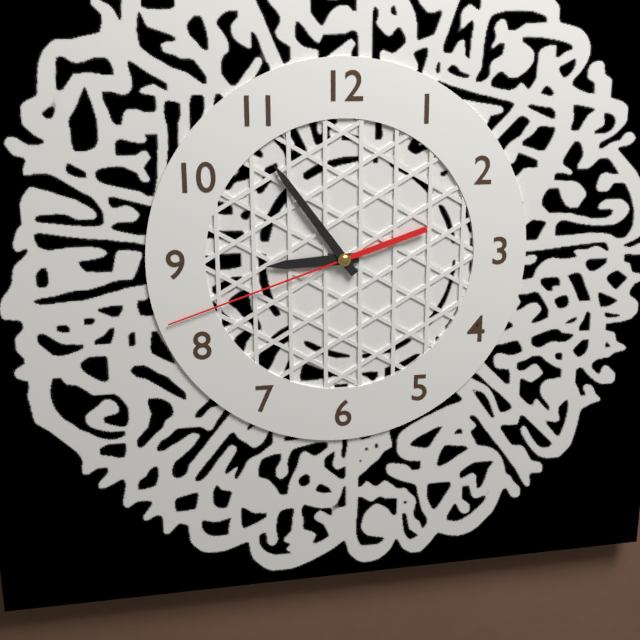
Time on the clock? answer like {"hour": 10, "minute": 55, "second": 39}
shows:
{"hour": 8, "minute": 54, "second": 42}
